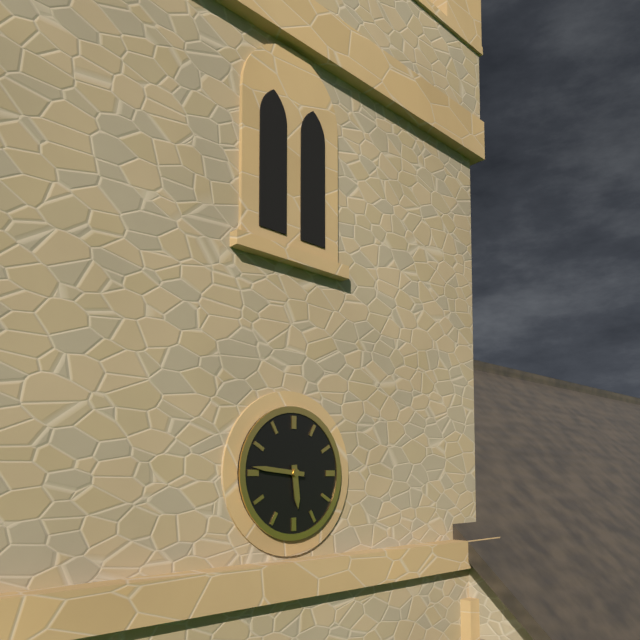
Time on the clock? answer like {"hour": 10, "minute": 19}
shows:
{"hour": 5, "minute": 46}
